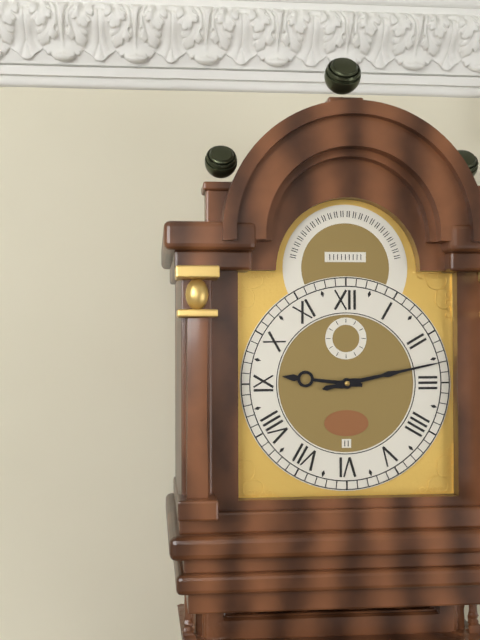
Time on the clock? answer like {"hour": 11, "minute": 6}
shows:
{"hour": 9, "minute": 13}
